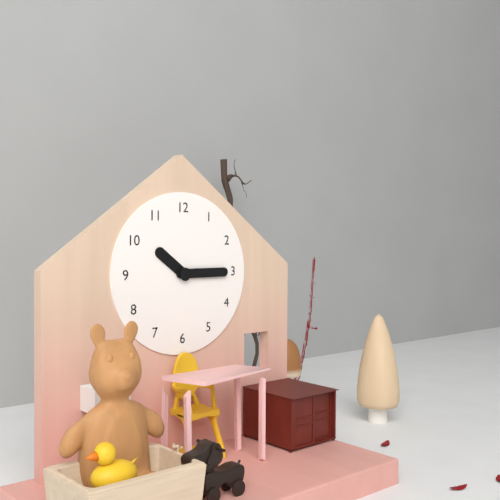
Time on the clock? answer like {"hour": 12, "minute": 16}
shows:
{"hour": 10, "minute": 15}
